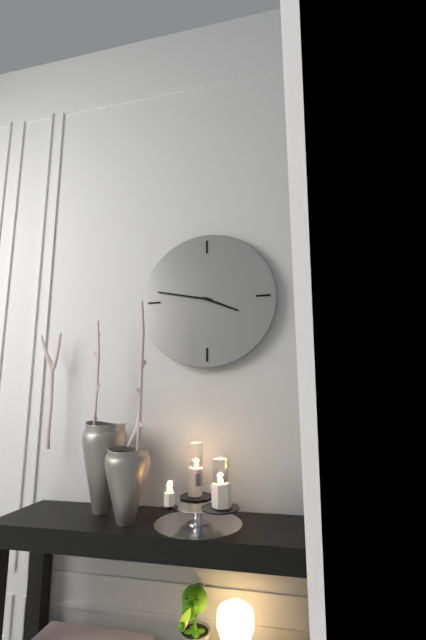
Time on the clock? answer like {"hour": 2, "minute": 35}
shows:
{"hour": 3, "minute": 47}
